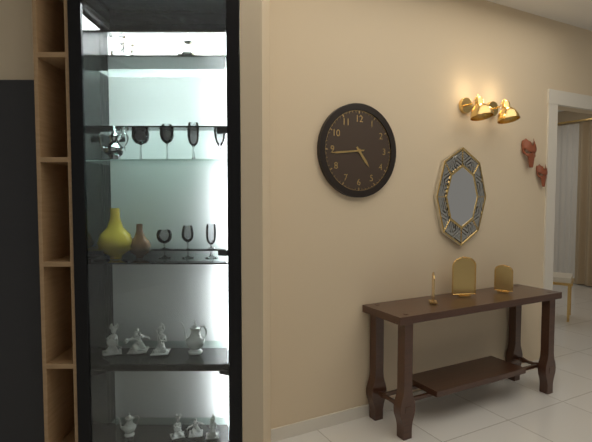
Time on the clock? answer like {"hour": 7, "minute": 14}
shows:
{"hour": 4, "minute": 44}
